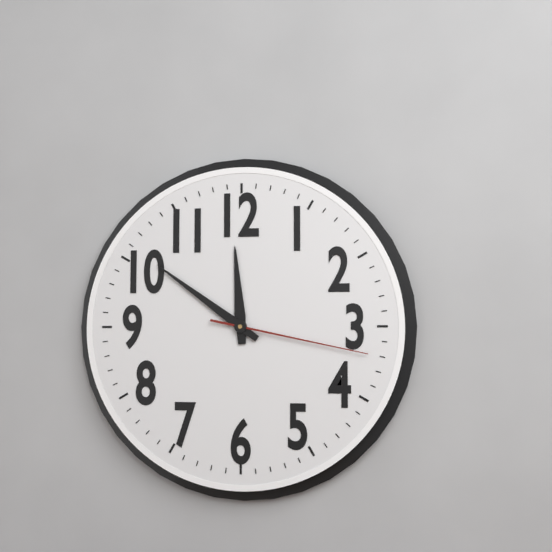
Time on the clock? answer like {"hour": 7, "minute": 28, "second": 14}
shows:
{"hour": 11, "minute": 51, "second": 17}
